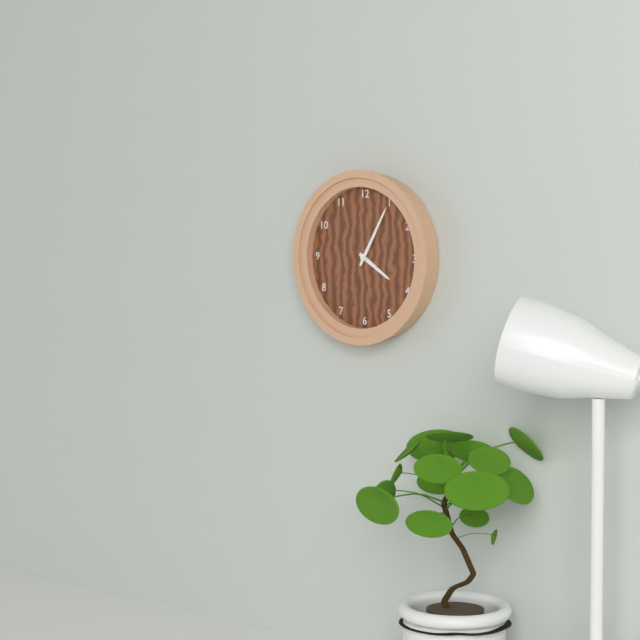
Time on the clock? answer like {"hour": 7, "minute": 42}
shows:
{"hour": 4, "minute": 5}
